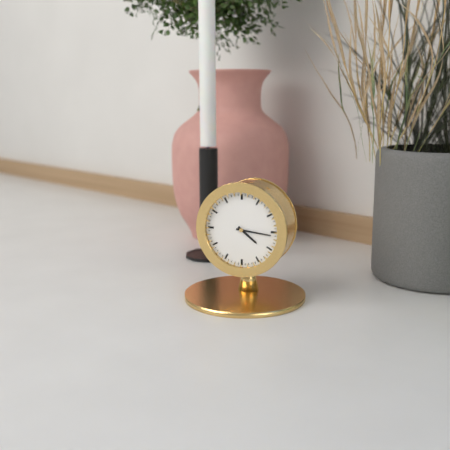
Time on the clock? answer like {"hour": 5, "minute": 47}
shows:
{"hour": 4, "minute": 16}
